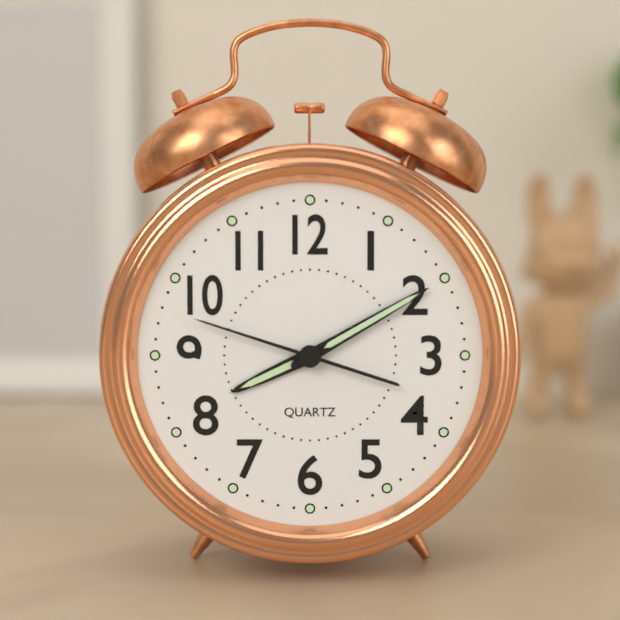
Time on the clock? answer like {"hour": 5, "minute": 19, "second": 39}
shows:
{"hour": 8, "minute": 10, "second": 48}
